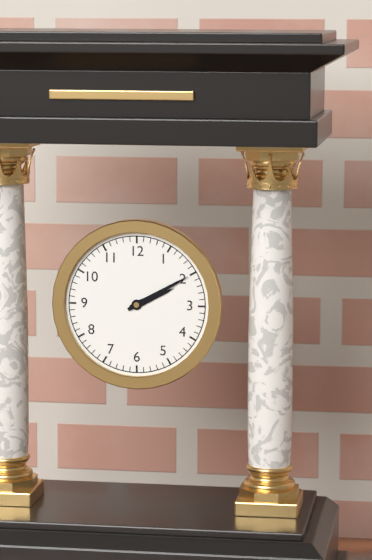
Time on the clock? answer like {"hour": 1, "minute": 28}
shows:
{"hour": 2, "minute": 10}
